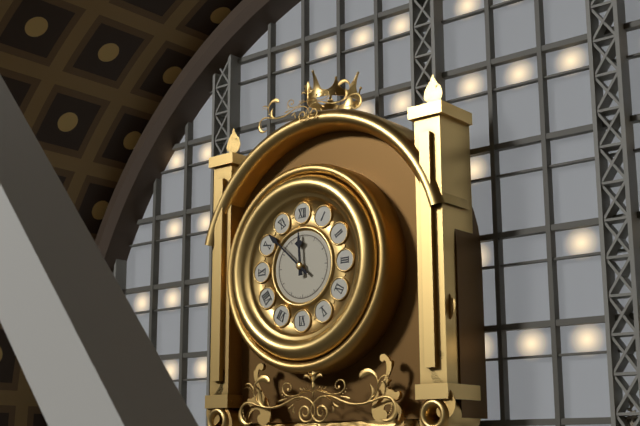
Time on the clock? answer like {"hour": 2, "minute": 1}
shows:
{"hour": 11, "minute": 52}
